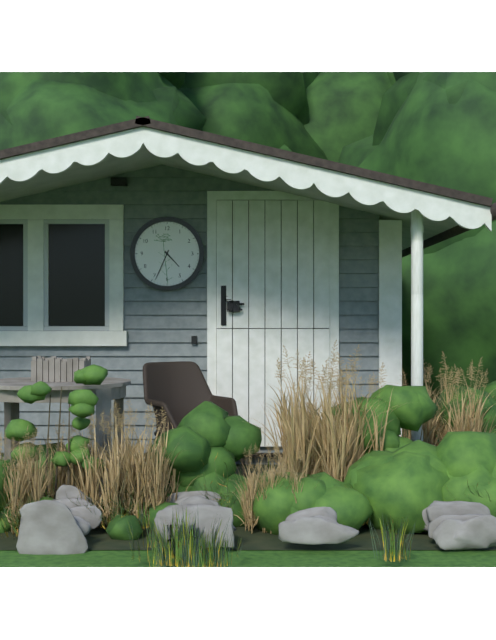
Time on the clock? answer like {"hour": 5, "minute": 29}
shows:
{"hour": 4, "minute": 34}
